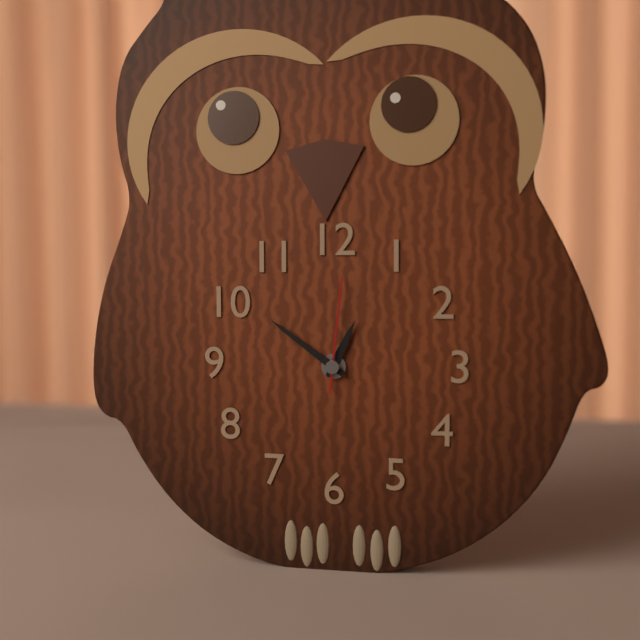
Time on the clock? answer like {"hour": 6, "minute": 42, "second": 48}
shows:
{"hour": 12, "minute": 51, "second": 1}
